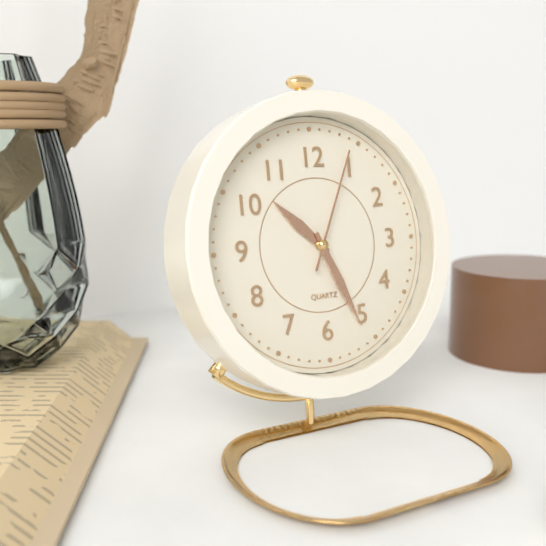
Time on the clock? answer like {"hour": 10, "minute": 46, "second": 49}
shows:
{"hour": 10, "minute": 26, "second": 4}
